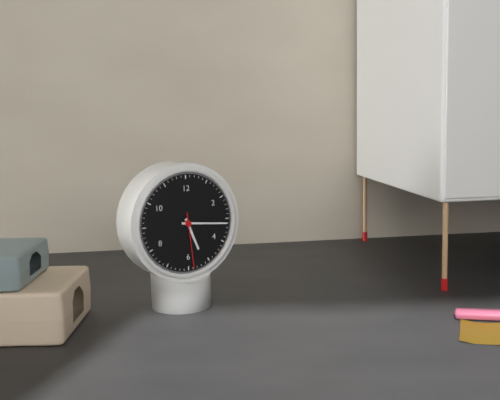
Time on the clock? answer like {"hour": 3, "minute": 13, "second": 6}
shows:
{"hour": 5, "minute": 16, "second": 29}
